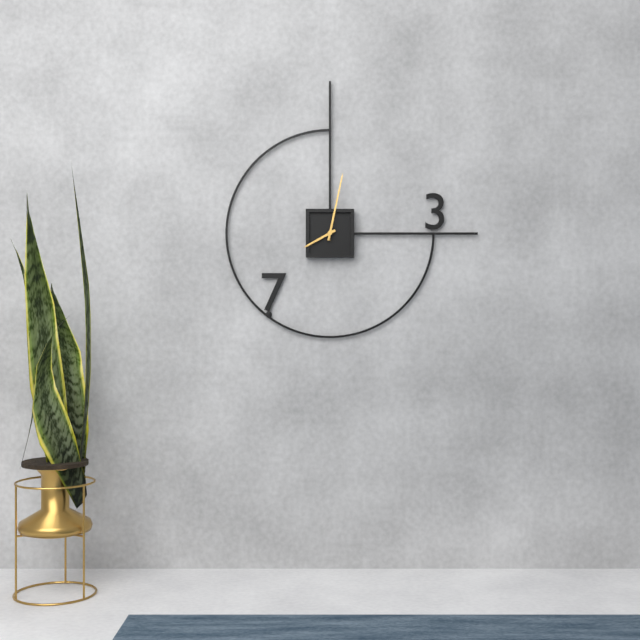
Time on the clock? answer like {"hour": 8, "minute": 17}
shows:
{"hour": 8, "minute": 2}
